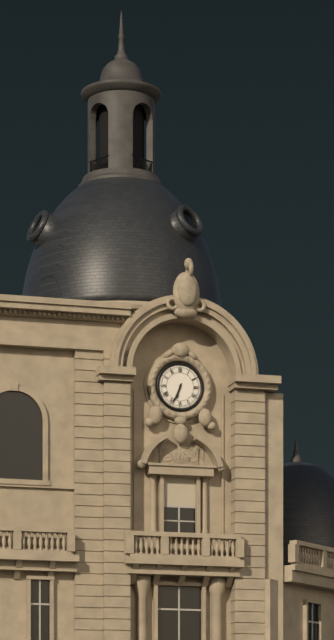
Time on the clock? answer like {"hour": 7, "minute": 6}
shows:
{"hour": 6, "minute": 34}
